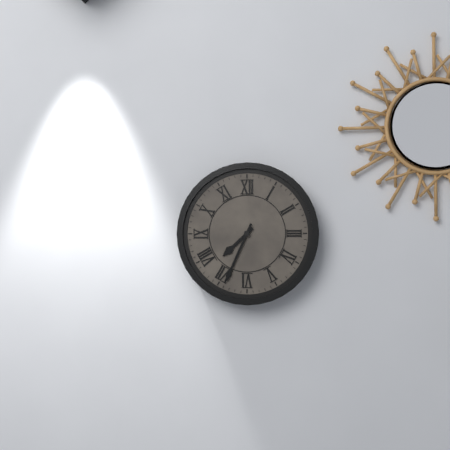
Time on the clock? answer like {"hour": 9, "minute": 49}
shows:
{"hour": 7, "minute": 34}
